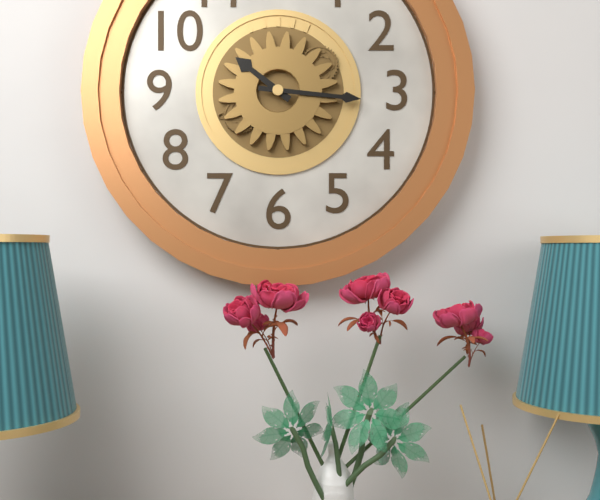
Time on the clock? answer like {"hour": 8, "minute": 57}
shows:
{"hour": 10, "minute": 16}
